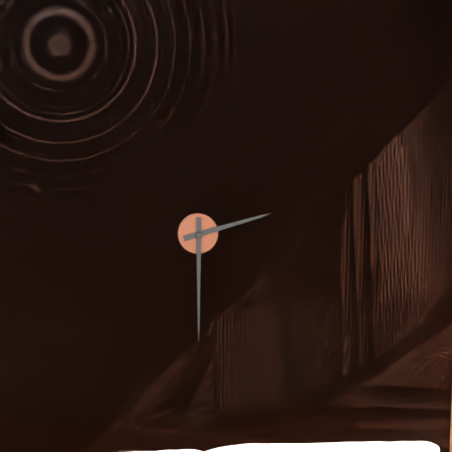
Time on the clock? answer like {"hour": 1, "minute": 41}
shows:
{"hour": 2, "minute": 30}
